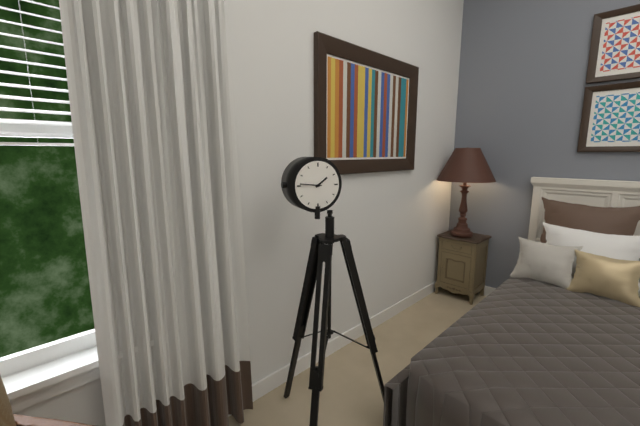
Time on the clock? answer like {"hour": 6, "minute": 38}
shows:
{"hour": 1, "minute": 46}
